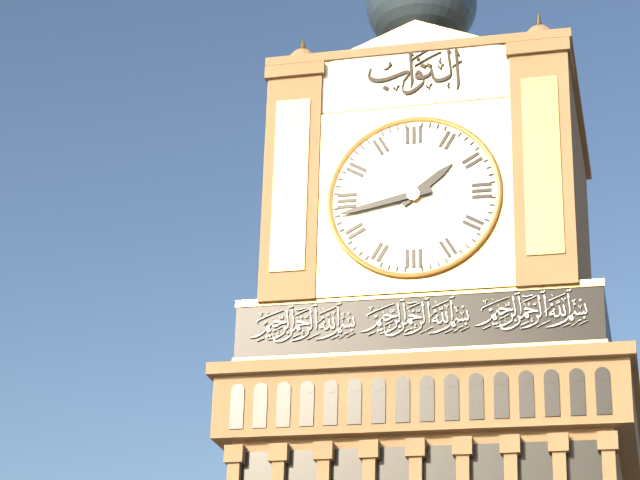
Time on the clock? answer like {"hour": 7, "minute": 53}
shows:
{"hour": 1, "minute": 43}
